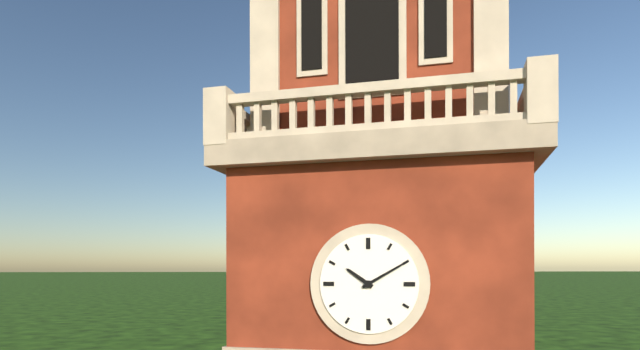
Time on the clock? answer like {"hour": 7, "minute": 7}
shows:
{"hour": 10, "minute": 10}
